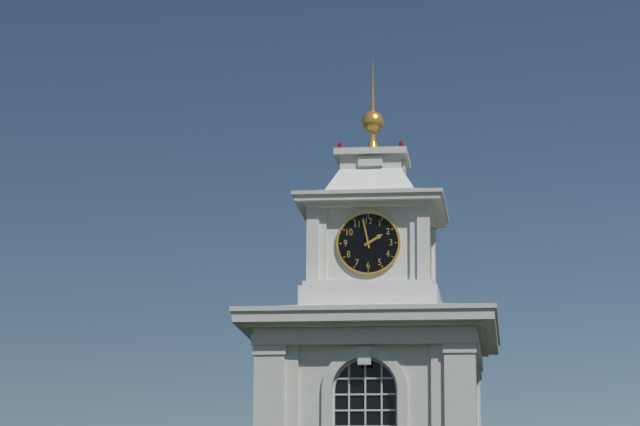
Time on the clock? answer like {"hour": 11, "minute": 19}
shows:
{"hour": 1, "minute": 58}
